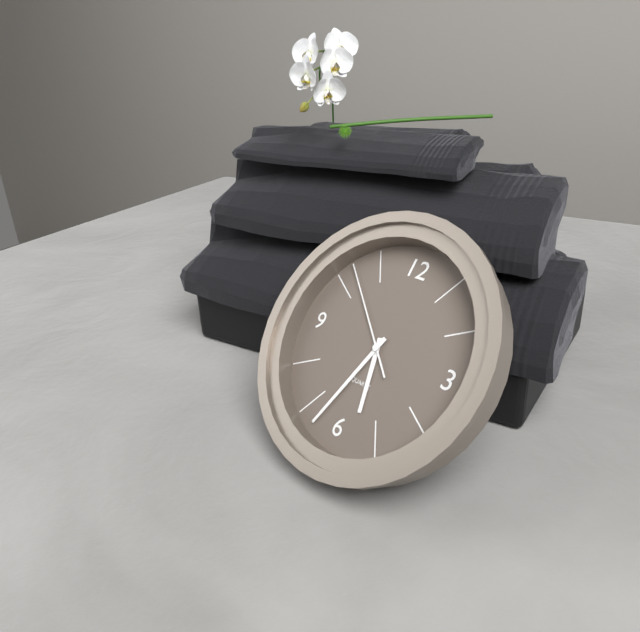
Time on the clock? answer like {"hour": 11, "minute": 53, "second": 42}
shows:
{"hour": 5, "minute": 33, "second": 52}
